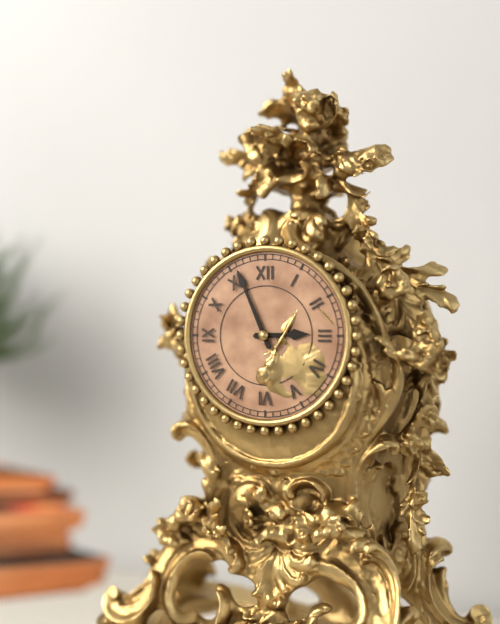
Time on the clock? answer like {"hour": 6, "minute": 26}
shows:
{"hour": 2, "minute": 56}
